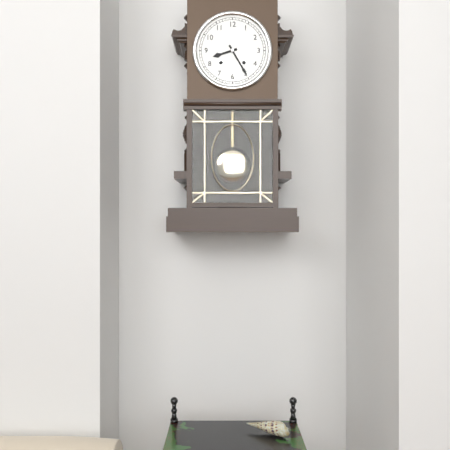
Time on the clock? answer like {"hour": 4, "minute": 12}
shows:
{"hour": 8, "minute": 25}
